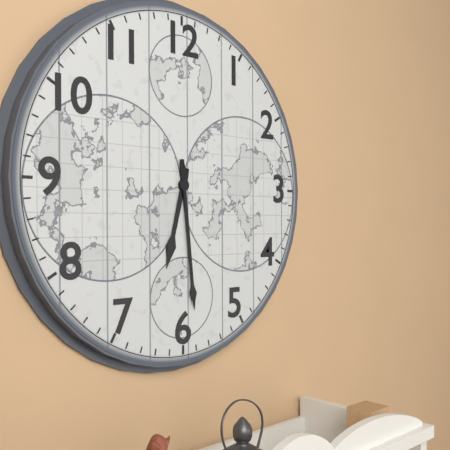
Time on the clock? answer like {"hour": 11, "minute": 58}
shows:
{"hour": 6, "minute": 29}
